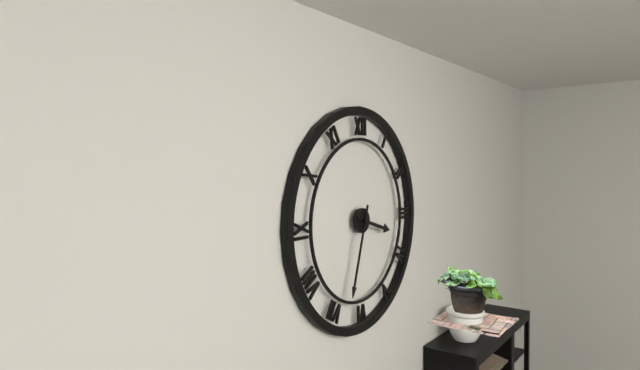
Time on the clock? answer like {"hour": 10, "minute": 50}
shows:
{"hour": 3, "minute": 33}
